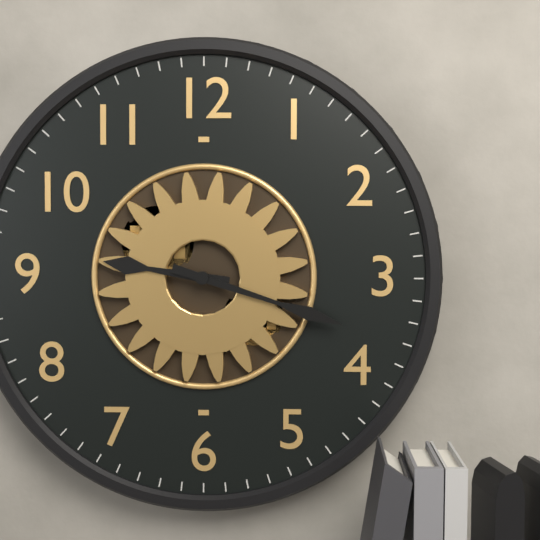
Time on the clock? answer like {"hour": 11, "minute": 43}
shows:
{"hour": 9, "minute": 18}
